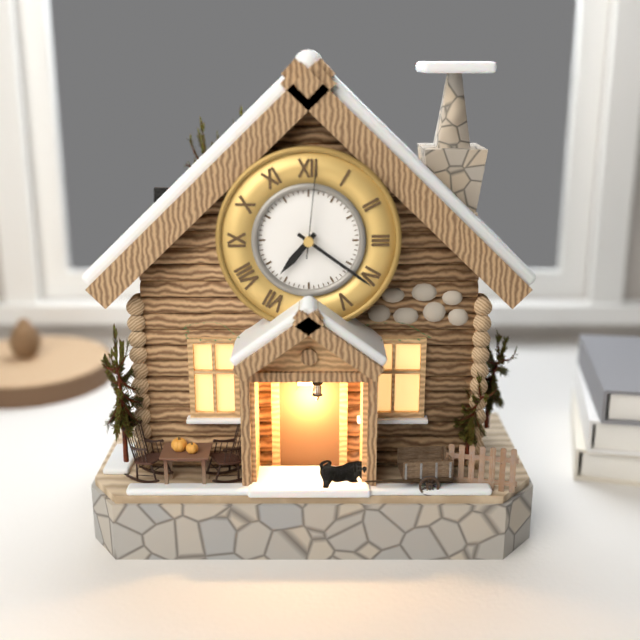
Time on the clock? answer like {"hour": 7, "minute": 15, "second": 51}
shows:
{"hour": 7, "minute": 21, "second": 1}
